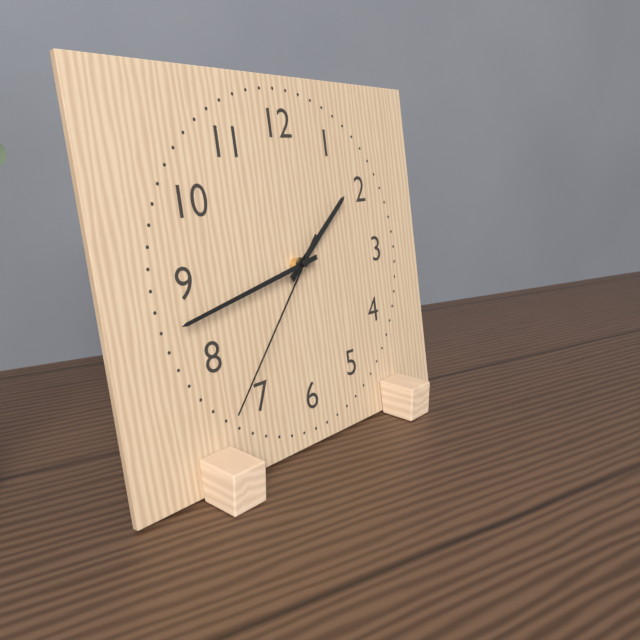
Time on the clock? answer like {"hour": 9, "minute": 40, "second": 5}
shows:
{"hour": 1, "minute": 43, "second": 37}
